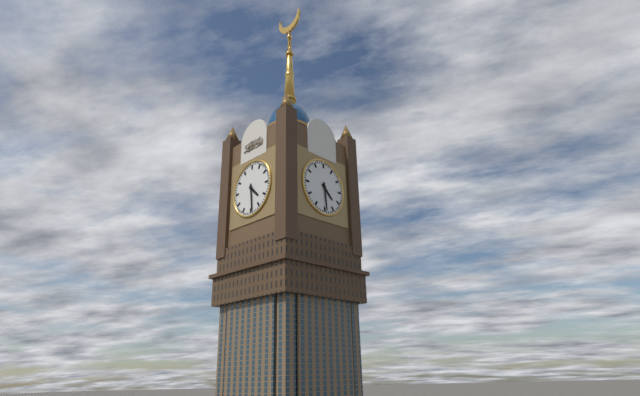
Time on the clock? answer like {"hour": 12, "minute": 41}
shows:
{"hour": 4, "minute": 29}
